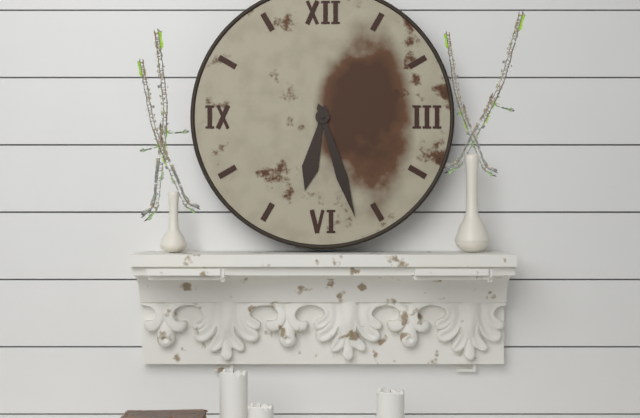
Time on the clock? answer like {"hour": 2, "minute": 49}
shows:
{"hour": 6, "minute": 27}
